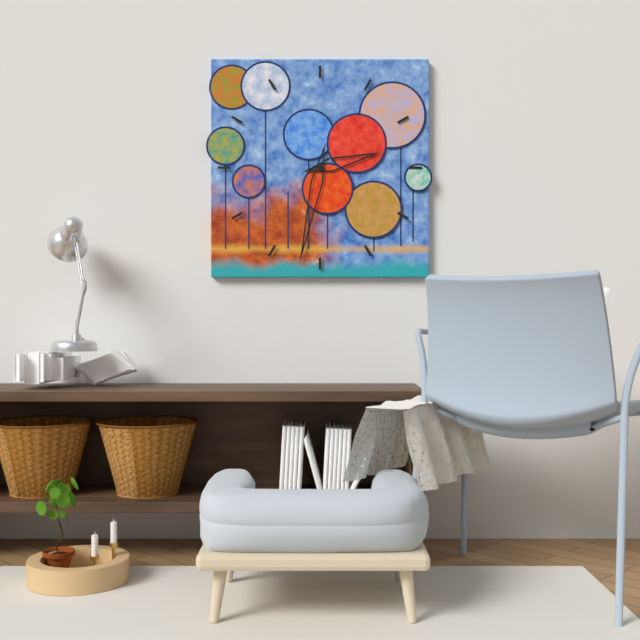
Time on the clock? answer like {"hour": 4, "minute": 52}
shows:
{"hour": 2, "minute": 32}
